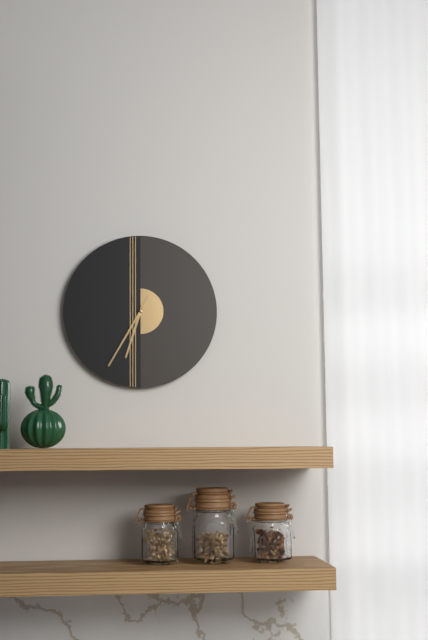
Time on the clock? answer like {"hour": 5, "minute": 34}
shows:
{"hour": 6, "minute": 35}
